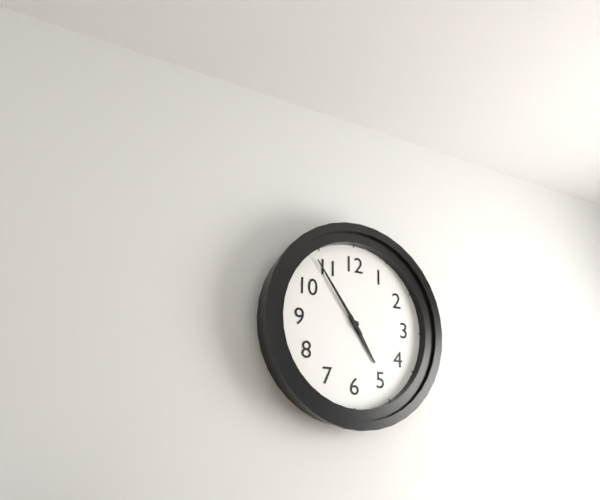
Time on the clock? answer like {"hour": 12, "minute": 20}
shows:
{"hour": 4, "minute": 54}
